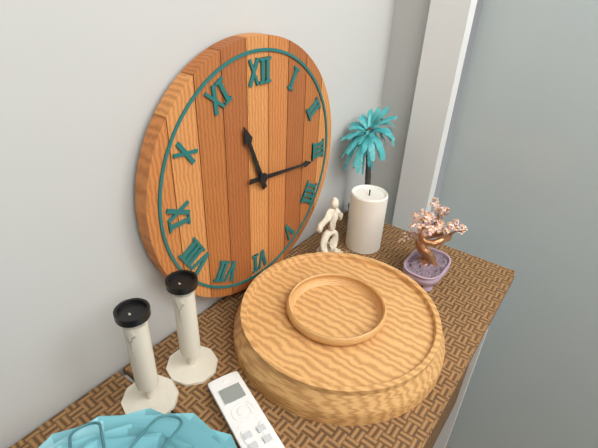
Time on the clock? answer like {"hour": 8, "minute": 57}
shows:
{"hour": 11, "minute": 16}
